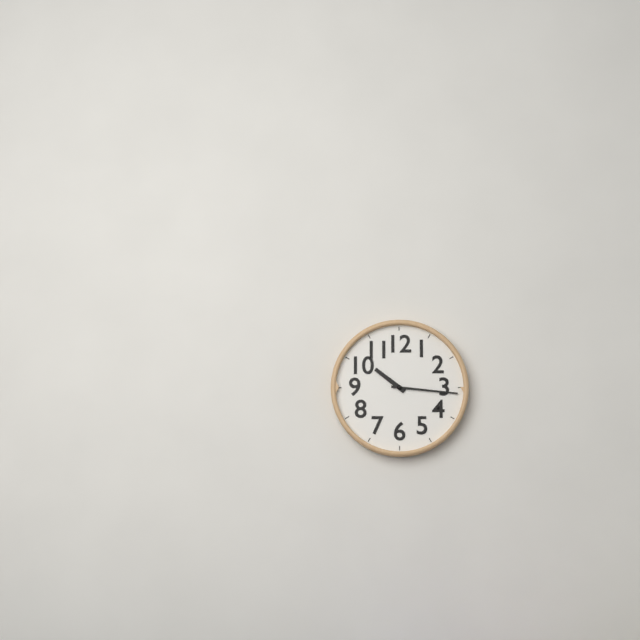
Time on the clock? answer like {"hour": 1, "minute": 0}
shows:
{"hour": 10, "minute": 16}
